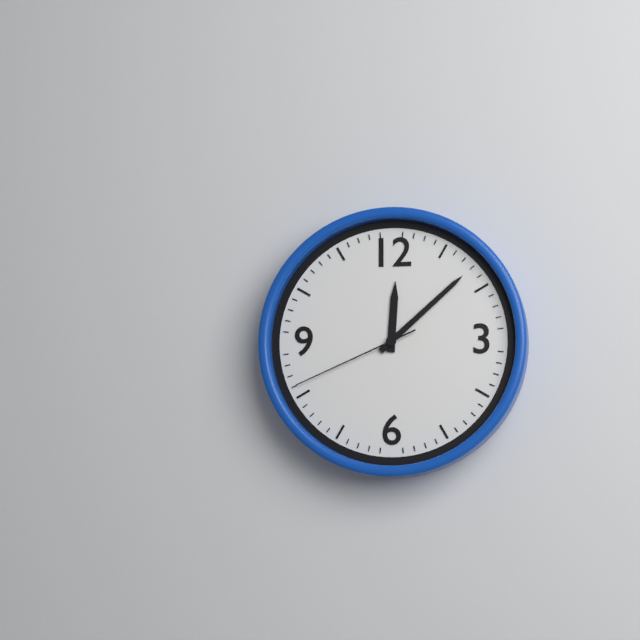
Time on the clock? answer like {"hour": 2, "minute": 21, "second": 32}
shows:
{"hour": 12, "minute": 8, "second": 41}
